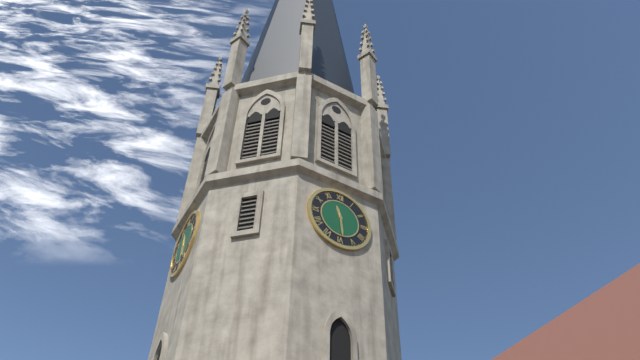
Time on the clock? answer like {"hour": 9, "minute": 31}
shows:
{"hour": 11, "minute": 29}
